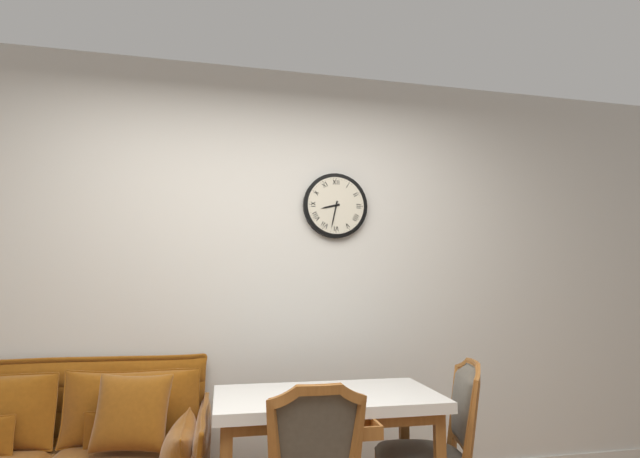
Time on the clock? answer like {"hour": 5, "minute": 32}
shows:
{"hour": 8, "minute": 32}
